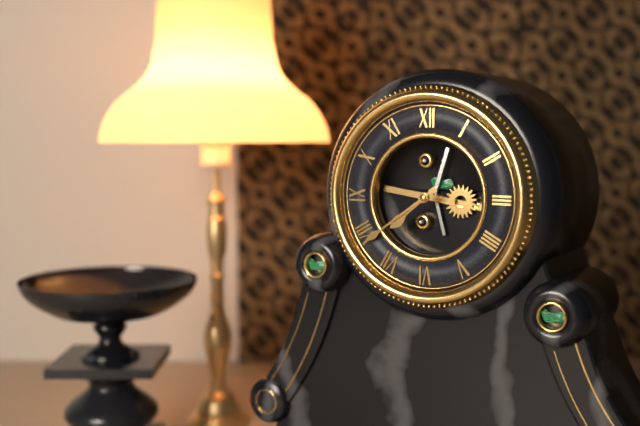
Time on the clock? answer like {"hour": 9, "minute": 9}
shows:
{"hour": 7, "minute": 39}
